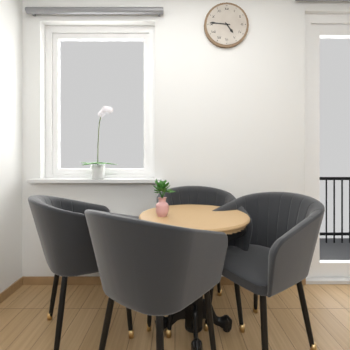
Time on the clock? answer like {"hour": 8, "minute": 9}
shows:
{"hour": 4, "minute": 46}
